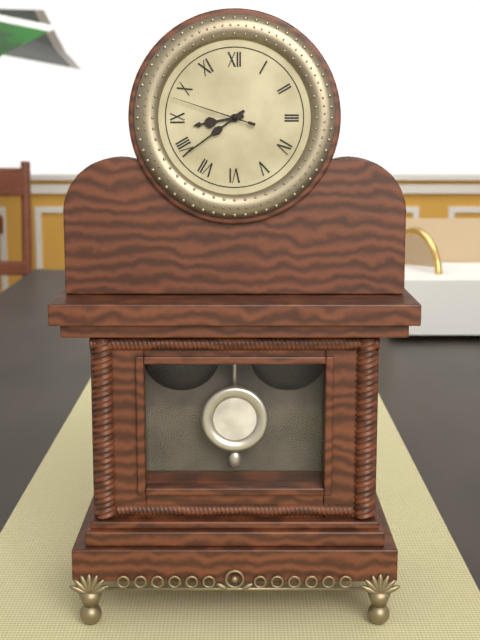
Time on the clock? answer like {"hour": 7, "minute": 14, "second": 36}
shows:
{"hour": 8, "minute": 39, "second": 48}
